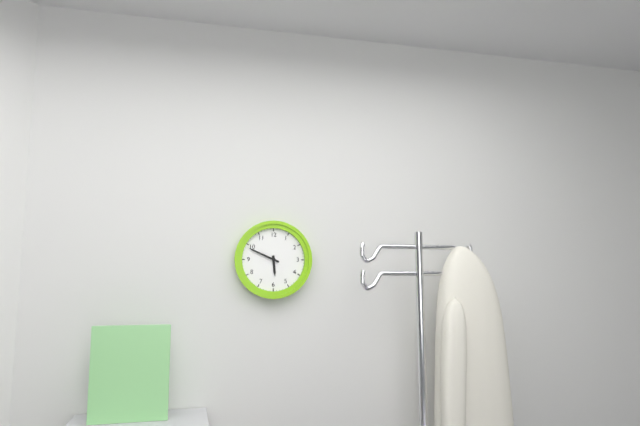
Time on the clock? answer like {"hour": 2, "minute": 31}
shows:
{"hour": 5, "minute": 49}
